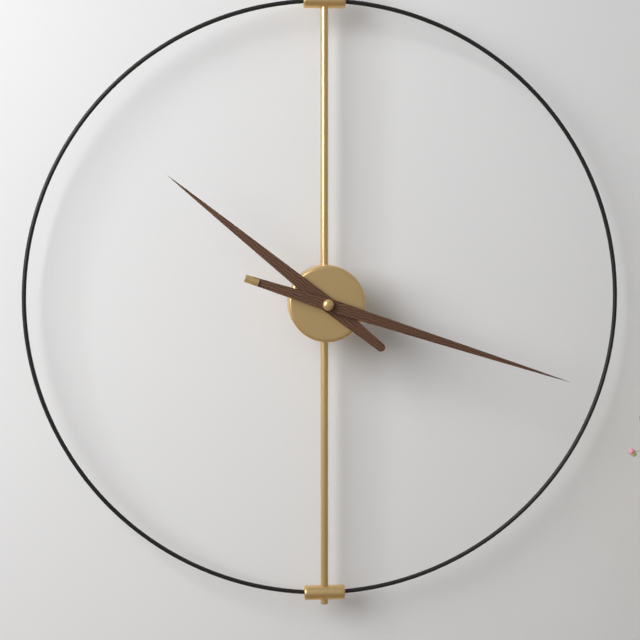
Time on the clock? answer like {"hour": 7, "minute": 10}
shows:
{"hour": 10, "minute": 18}
